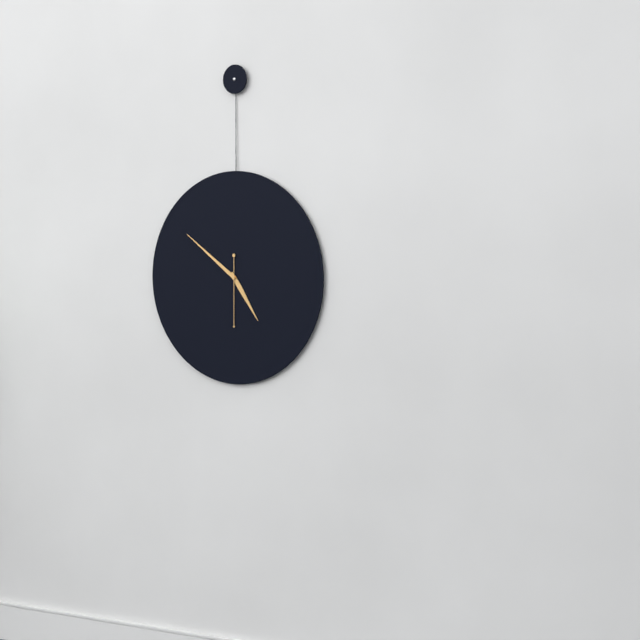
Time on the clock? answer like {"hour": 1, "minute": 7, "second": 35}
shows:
{"hour": 4, "minute": 51, "second": 30}
